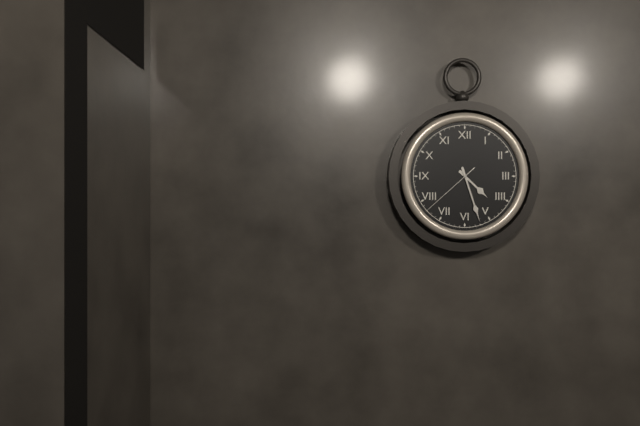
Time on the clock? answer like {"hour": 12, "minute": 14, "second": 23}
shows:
{"hour": 4, "minute": 27, "second": 38}
